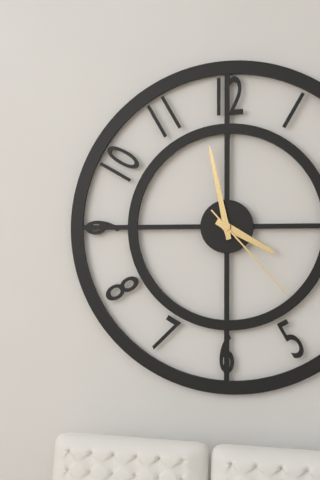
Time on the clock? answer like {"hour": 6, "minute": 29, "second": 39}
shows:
{"hour": 3, "minute": 58, "second": 23}
